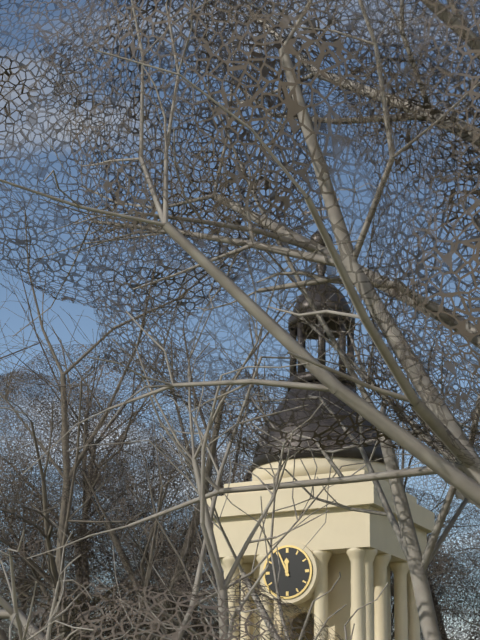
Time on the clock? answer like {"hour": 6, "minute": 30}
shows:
{"hour": 11, "minute": 56}
